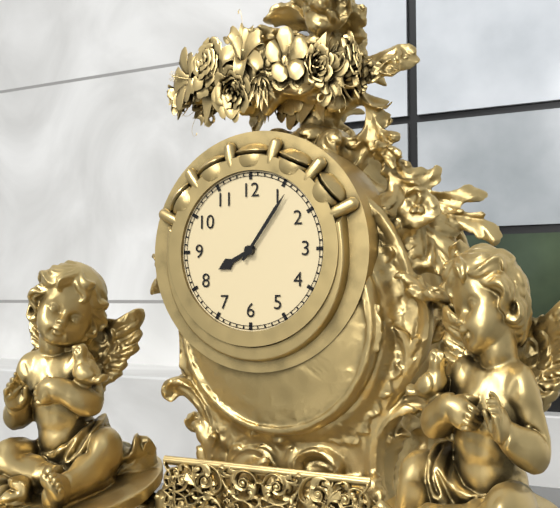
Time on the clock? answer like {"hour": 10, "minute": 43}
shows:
{"hour": 8, "minute": 6}
